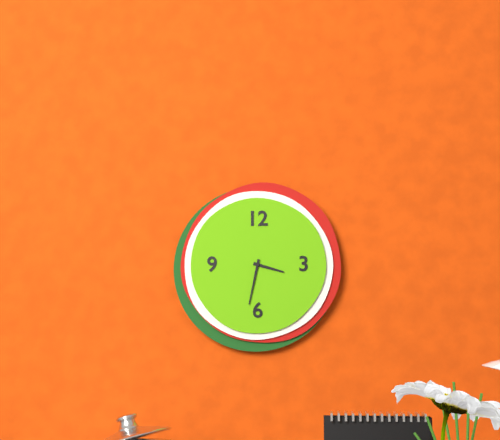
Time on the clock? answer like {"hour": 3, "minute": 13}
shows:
{"hour": 3, "minute": 32}
